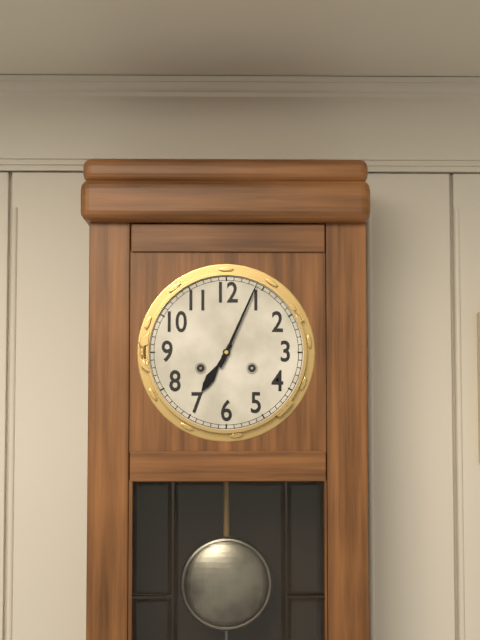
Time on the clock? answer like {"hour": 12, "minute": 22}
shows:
{"hour": 7, "minute": 4}
